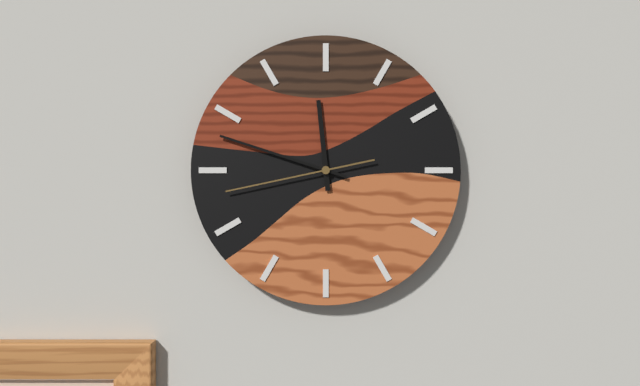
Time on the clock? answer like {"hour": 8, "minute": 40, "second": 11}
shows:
{"hour": 11, "minute": 48, "second": 43}
